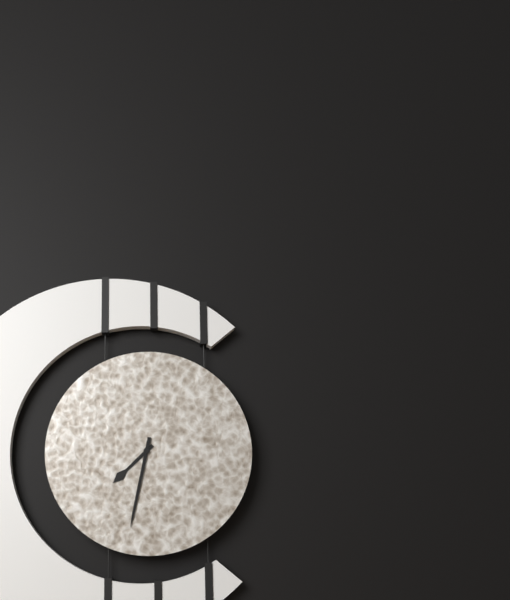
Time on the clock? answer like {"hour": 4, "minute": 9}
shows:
{"hour": 7, "minute": 32}
